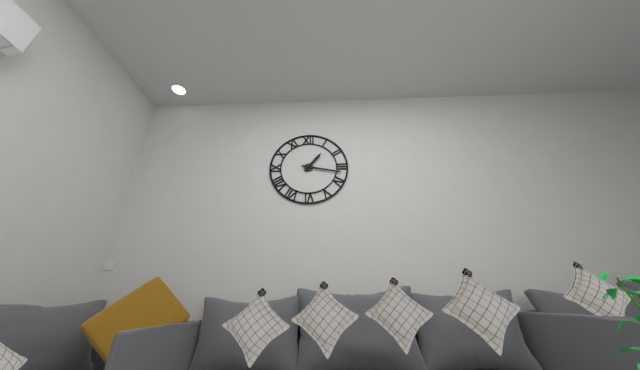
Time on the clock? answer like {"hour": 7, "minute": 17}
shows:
{"hour": 1, "minute": 17}
